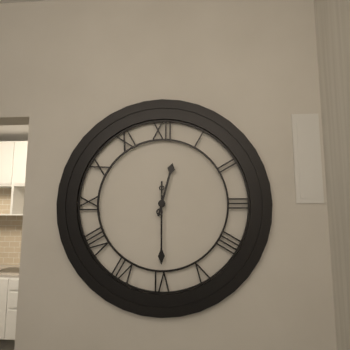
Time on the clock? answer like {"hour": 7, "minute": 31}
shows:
{"hour": 12, "minute": 30}
